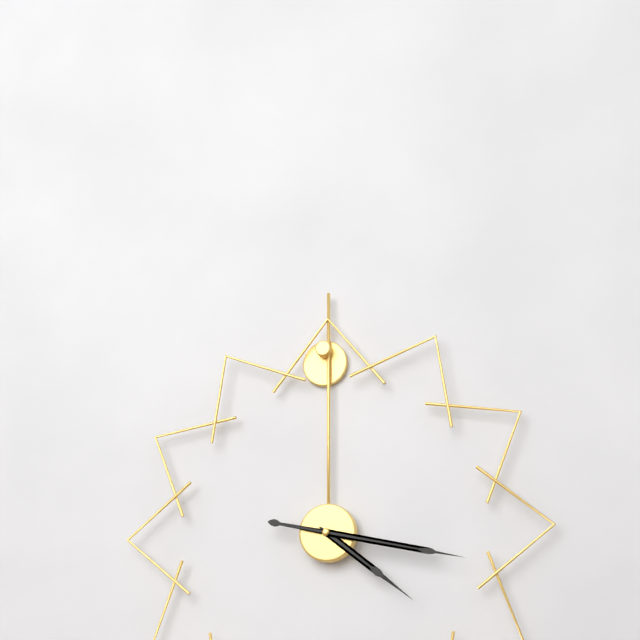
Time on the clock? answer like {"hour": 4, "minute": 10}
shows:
{"hour": 4, "minute": 17}
